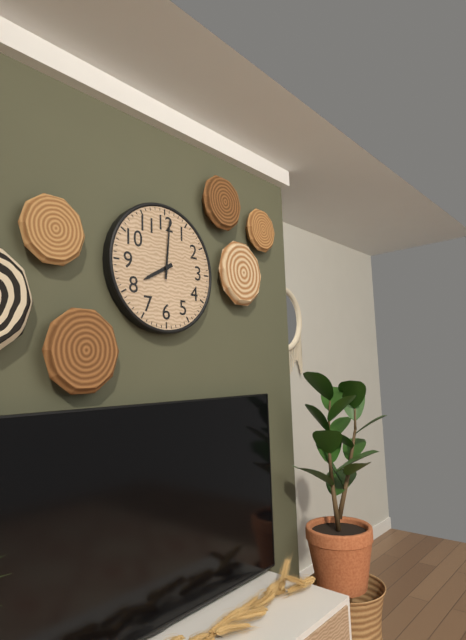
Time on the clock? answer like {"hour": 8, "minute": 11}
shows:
{"hour": 8, "minute": 1}
